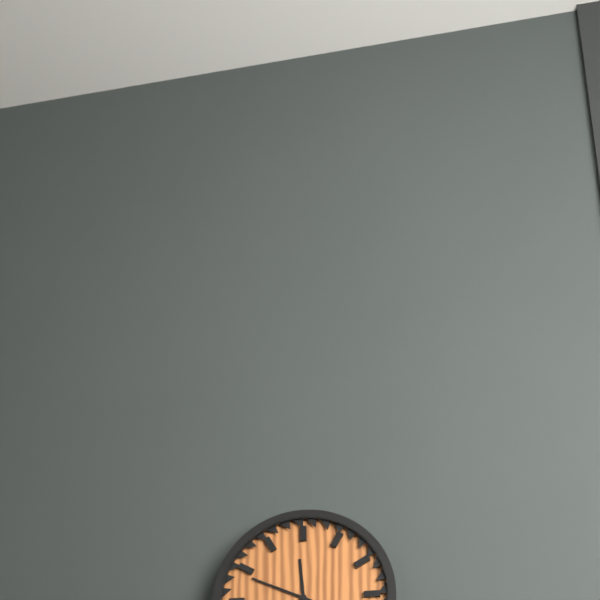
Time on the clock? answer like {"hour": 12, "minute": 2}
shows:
{"hour": 11, "minute": 49}
